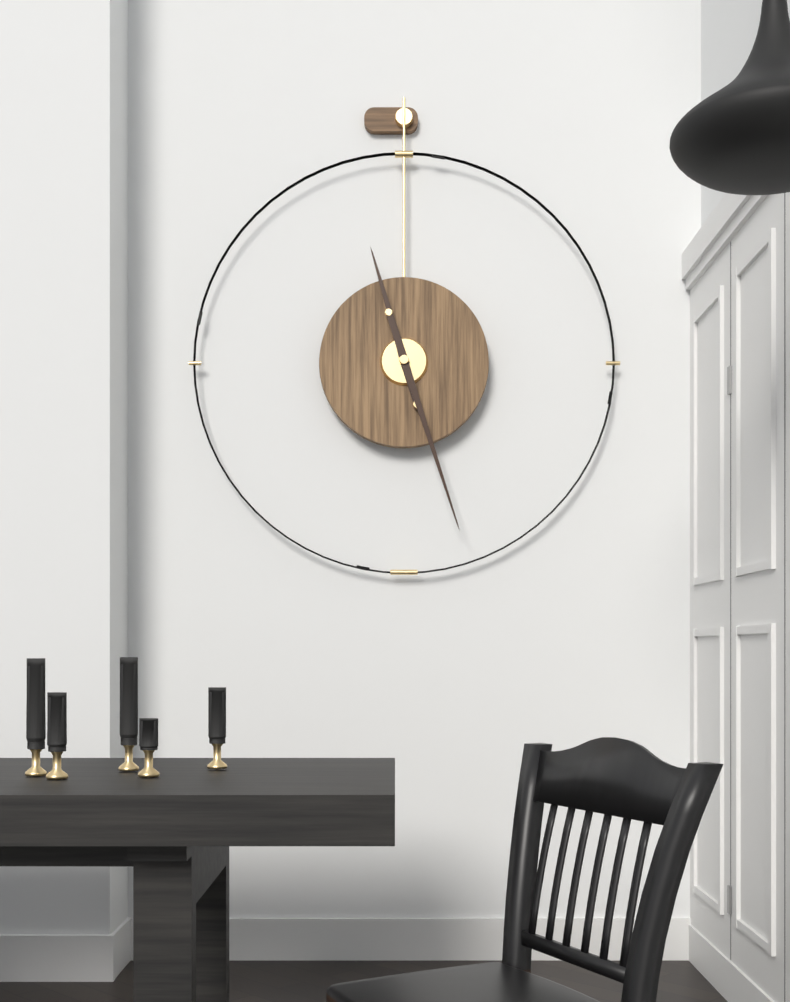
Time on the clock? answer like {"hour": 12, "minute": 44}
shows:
{"hour": 11, "minute": 27}
